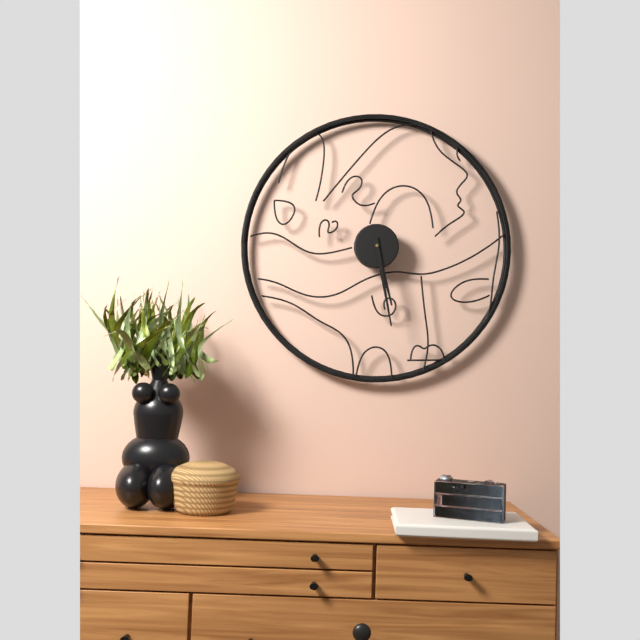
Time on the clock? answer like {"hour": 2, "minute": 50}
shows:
{"hour": 5, "minute": 28}
